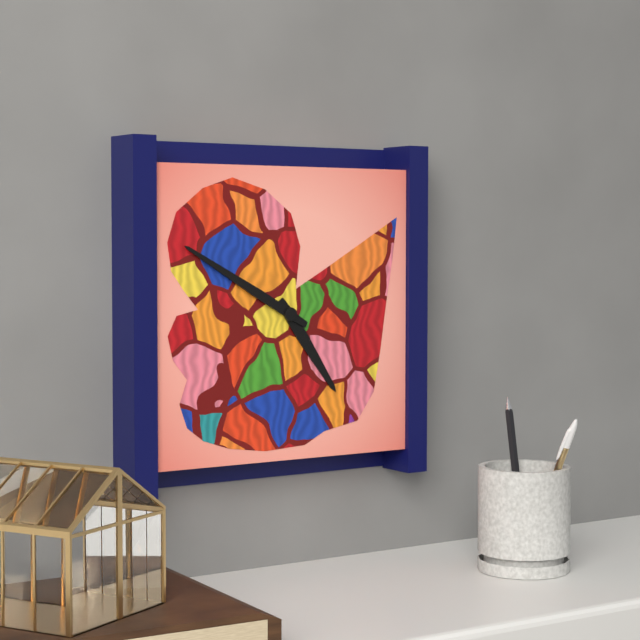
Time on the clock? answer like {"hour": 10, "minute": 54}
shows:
{"hour": 4, "minute": 50}
